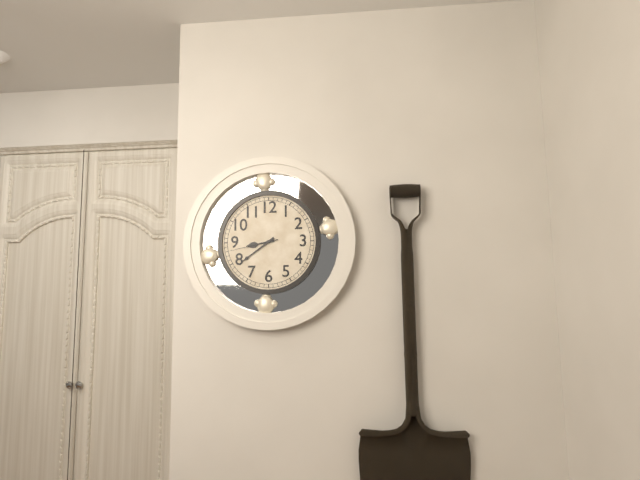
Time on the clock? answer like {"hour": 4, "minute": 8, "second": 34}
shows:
{"hour": 8, "minute": 39, "second": 43}
